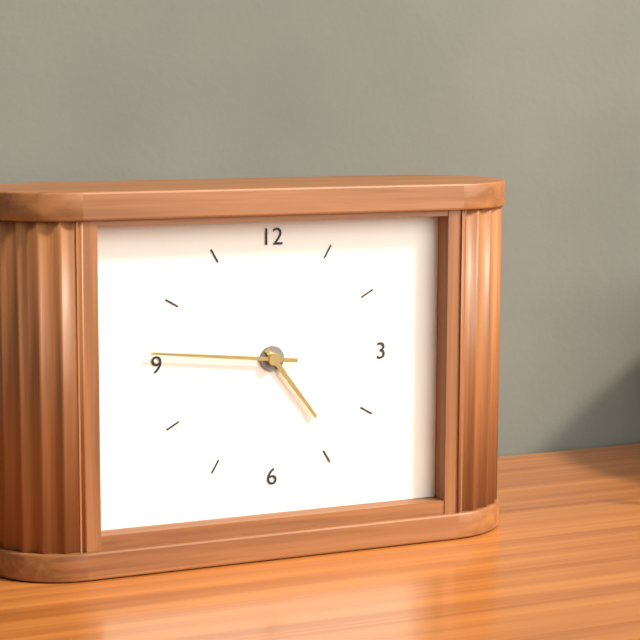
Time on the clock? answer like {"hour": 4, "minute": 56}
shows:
{"hour": 4, "minute": 46}
